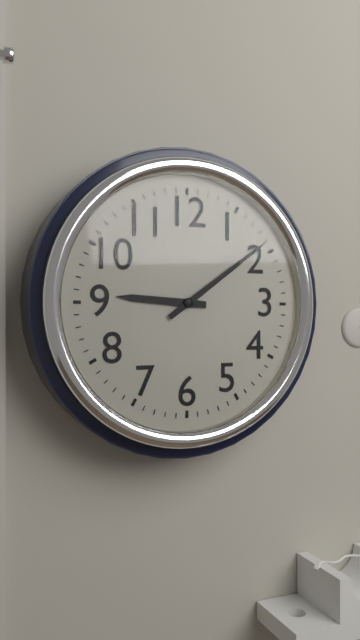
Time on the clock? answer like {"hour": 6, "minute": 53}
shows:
{"hour": 9, "minute": 9}
